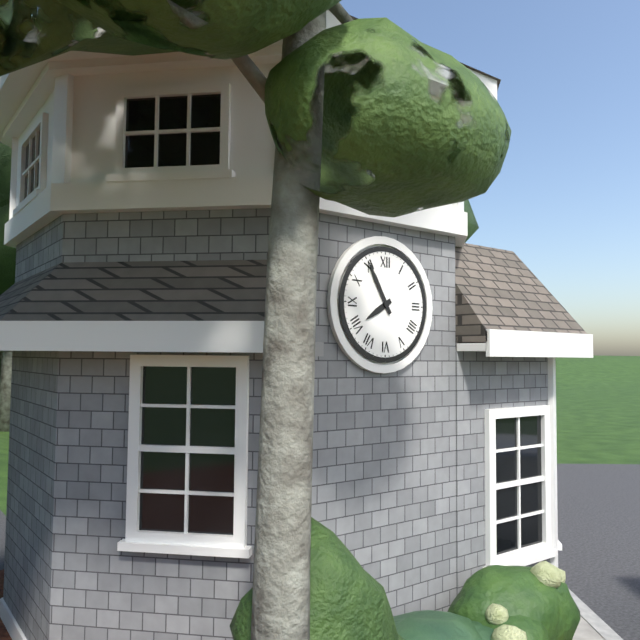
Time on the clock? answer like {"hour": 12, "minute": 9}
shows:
{"hour": 7, "minute": 55}
